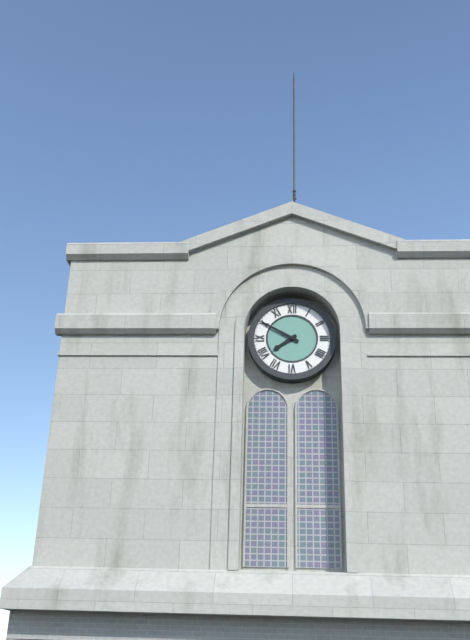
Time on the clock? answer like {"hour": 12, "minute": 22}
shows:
{"hour": 7, "minute": 50}
